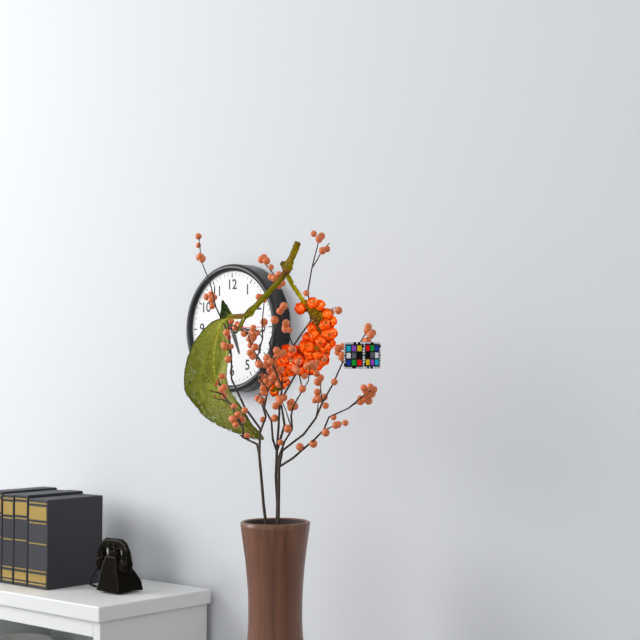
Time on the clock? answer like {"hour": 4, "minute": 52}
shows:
{"hour": 5, "minute": 16}
